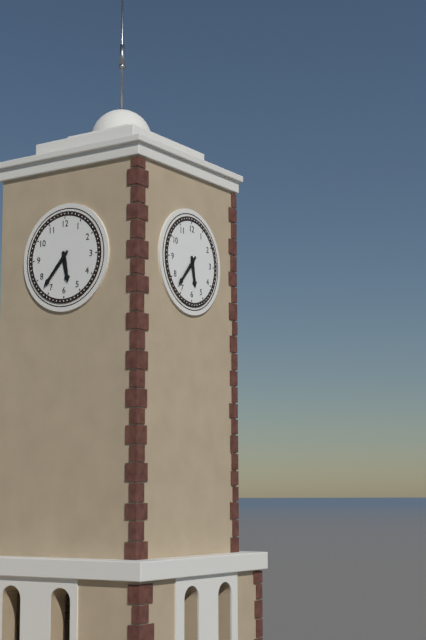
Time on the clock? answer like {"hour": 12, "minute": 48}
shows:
{"hour": 5, "minute": 37}
